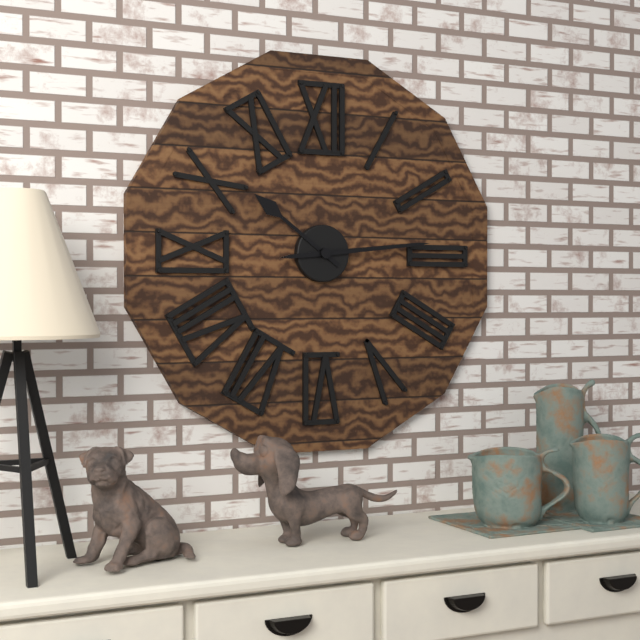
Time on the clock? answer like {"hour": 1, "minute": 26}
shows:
{"hour": 10, "minute": 14}
